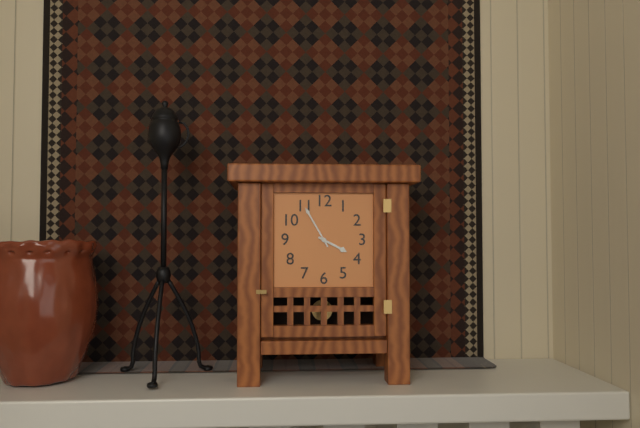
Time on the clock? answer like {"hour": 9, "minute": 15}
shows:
{"hour": 3, "minute": 55}
